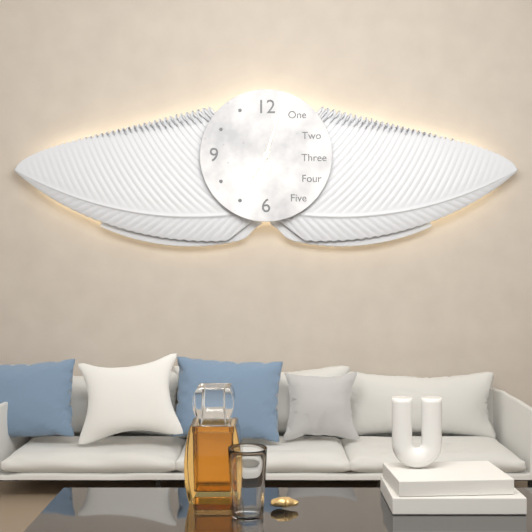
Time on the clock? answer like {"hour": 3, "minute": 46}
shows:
{"hour": 7, "minute": 3}
